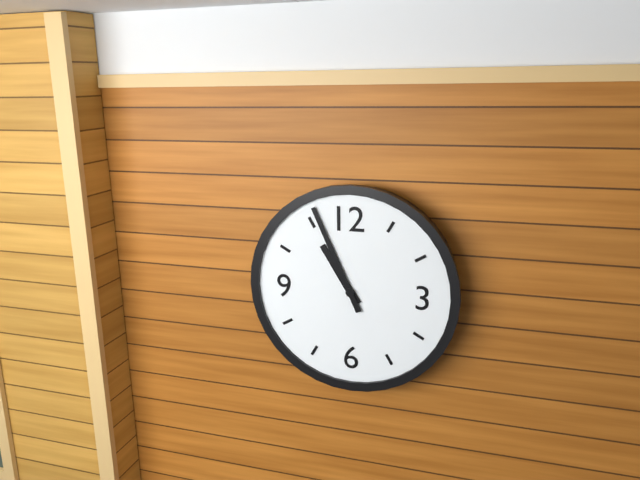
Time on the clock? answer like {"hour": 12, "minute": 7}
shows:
{"hour": 10, "minute": 56}
